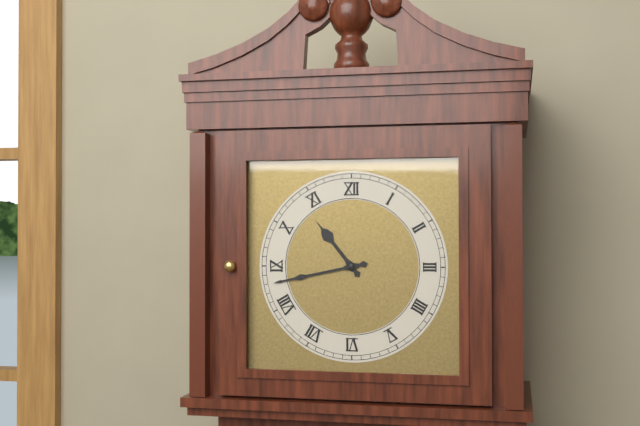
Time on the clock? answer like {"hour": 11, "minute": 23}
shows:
{"hour": 10, "minute": 43}
